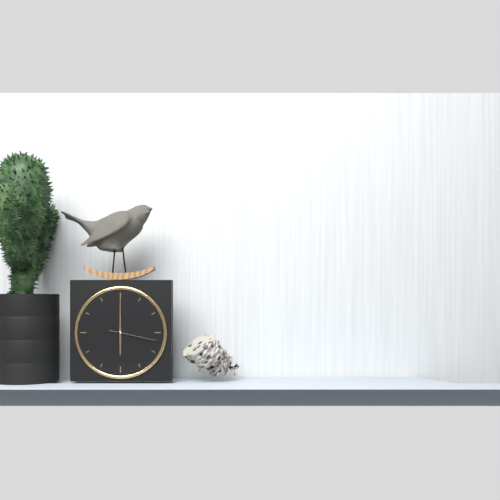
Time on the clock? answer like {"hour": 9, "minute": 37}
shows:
{"hour": 6, "minute": 0}
